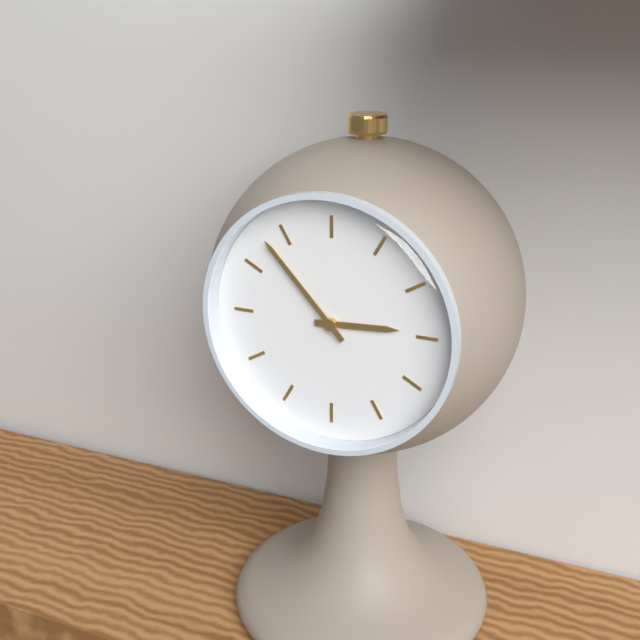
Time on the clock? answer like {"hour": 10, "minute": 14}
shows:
{"hour": 2, "minute": 53}
